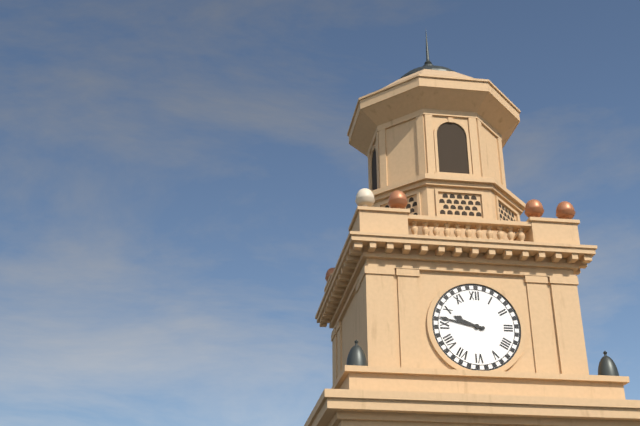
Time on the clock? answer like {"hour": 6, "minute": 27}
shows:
{"hour": 9, "minute": 47}
